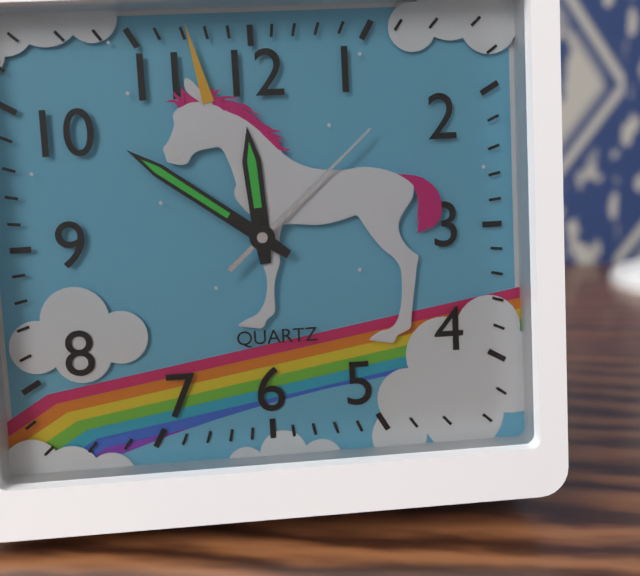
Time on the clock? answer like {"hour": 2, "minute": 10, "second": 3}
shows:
{"hour": 11, "minute": 51, "second": 8}
